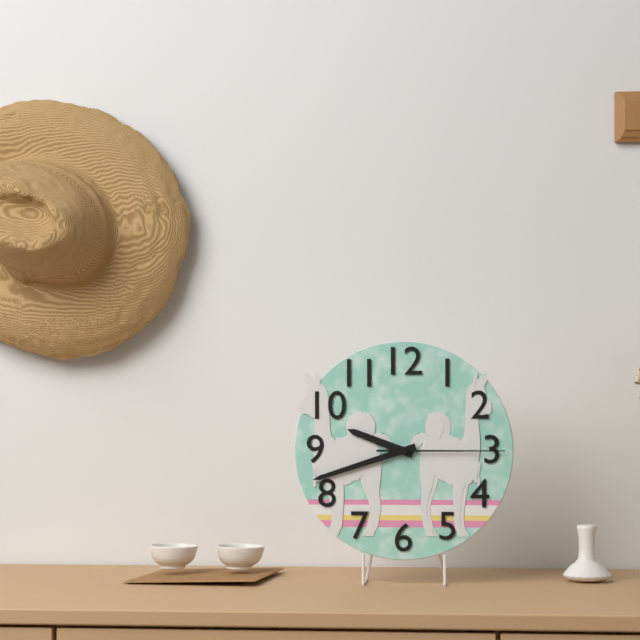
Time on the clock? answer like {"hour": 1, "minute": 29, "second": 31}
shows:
{"hour": 9, "minute": 42, "second": 15}
